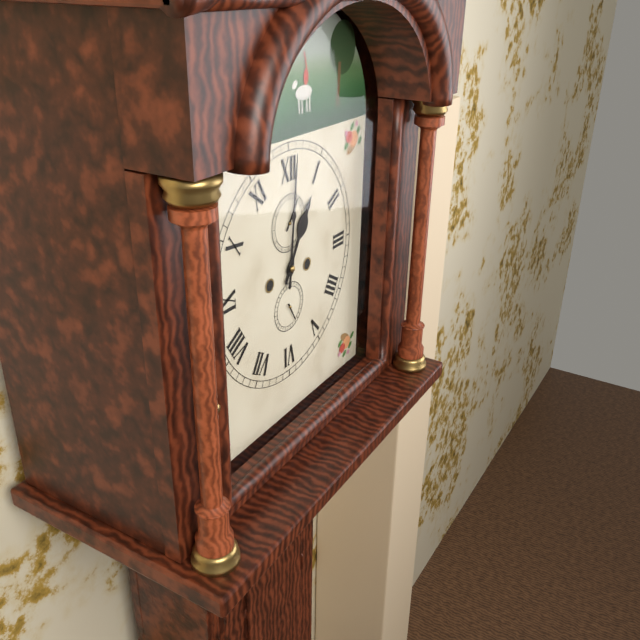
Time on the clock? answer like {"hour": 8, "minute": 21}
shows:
{"hour": 1, "minute": 1}
